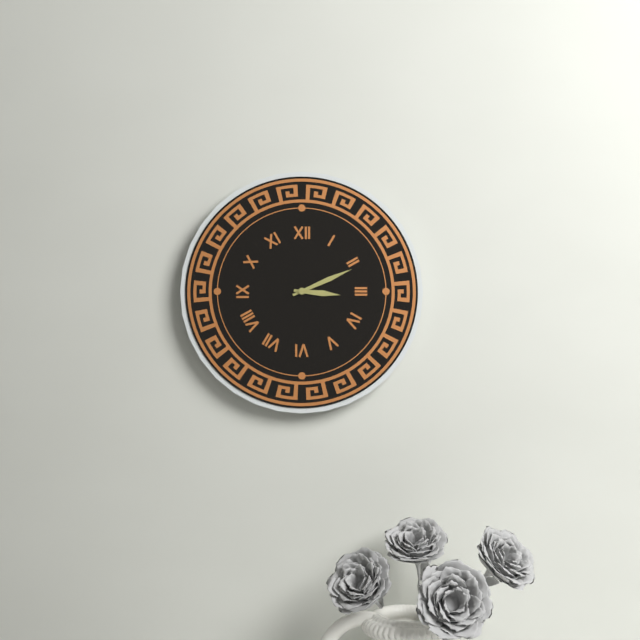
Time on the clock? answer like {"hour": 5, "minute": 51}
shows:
{"hour": 3, "minute": 11}
